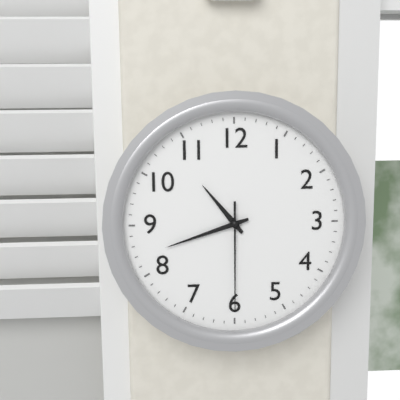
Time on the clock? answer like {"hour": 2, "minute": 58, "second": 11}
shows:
{"hour": 10, "minute": 42, "second": 30}
